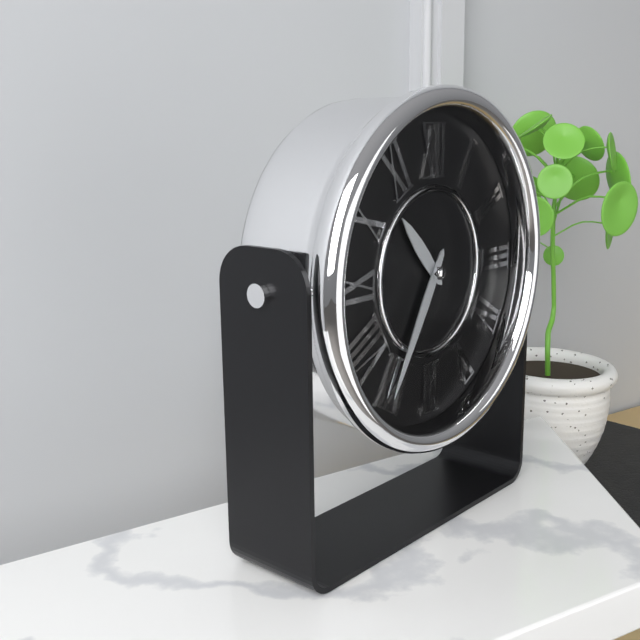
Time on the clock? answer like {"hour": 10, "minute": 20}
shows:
{"hour": 10, "minute": 35}
